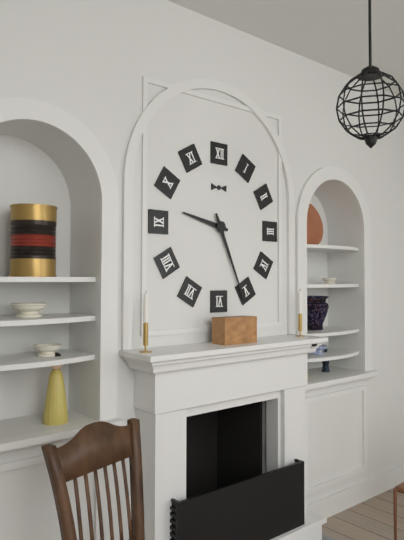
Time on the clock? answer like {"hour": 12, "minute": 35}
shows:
{"hour": 9, "minute": 26}
